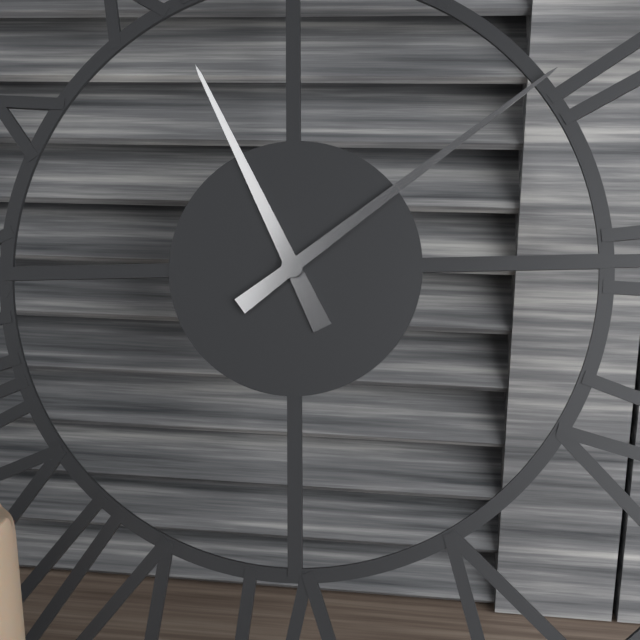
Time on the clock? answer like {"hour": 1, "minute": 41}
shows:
{"hour": 11, "minute": 9}
